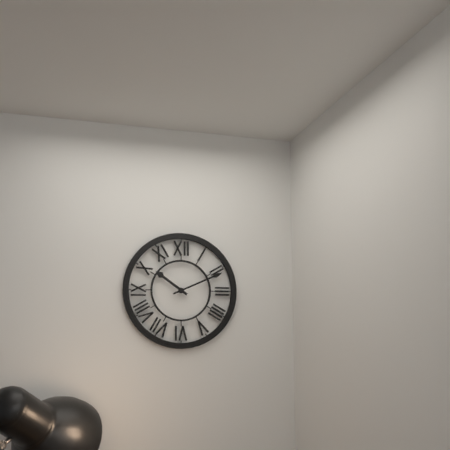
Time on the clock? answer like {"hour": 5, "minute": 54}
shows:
{"hour": 10, "minute": 11}
